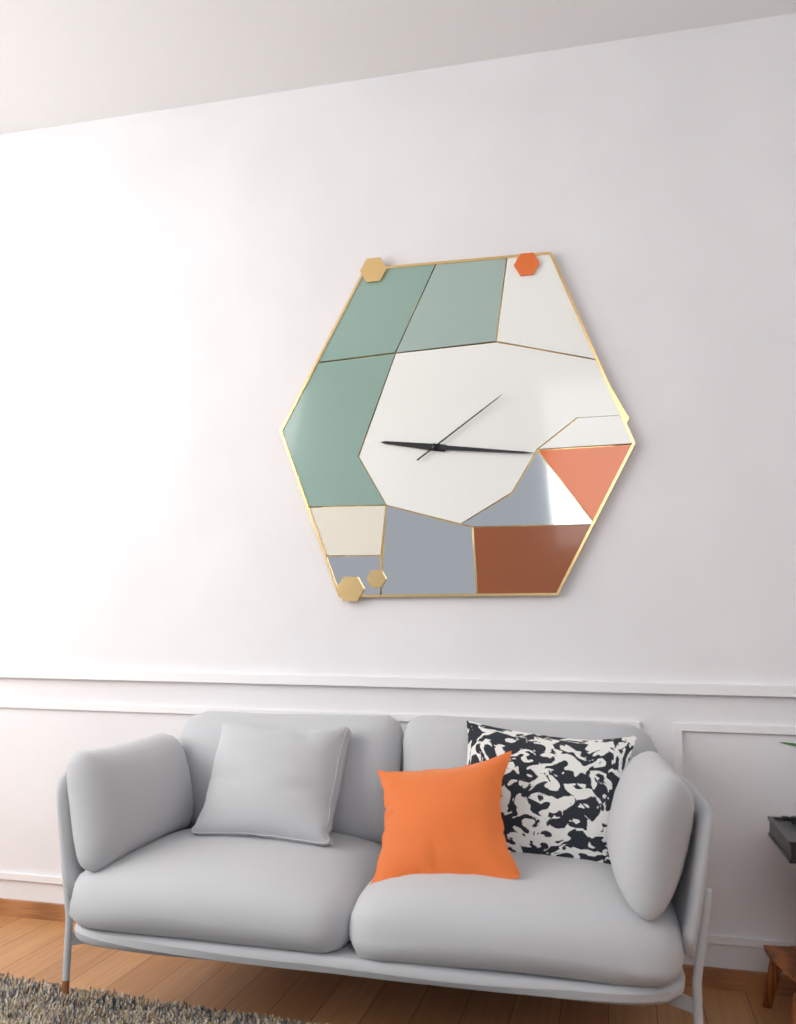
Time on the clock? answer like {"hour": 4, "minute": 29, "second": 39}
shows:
{"hour": 9, "minute": 16, "second": 9}
